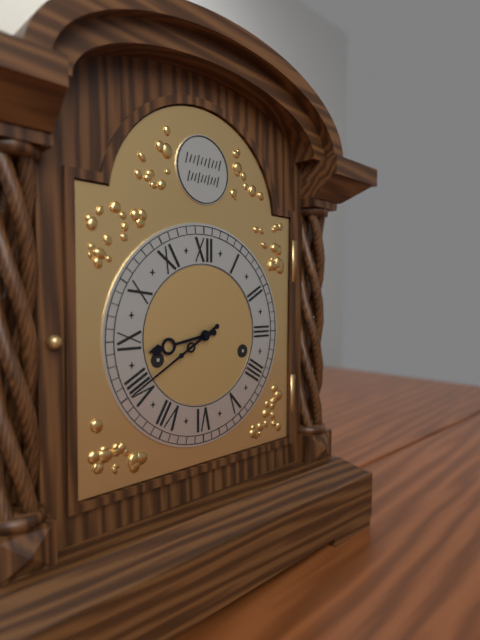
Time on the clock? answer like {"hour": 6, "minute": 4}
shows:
{"hour": 8, "minute": 40}
